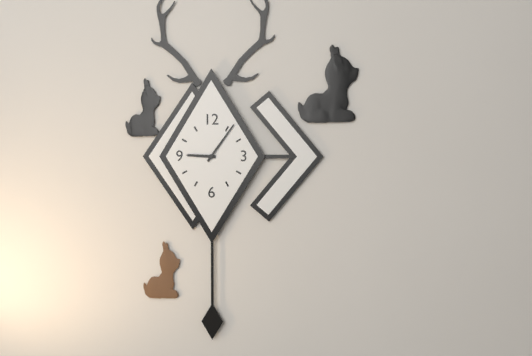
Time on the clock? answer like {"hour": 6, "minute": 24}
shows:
{"hour": 9, "minute": 6}
